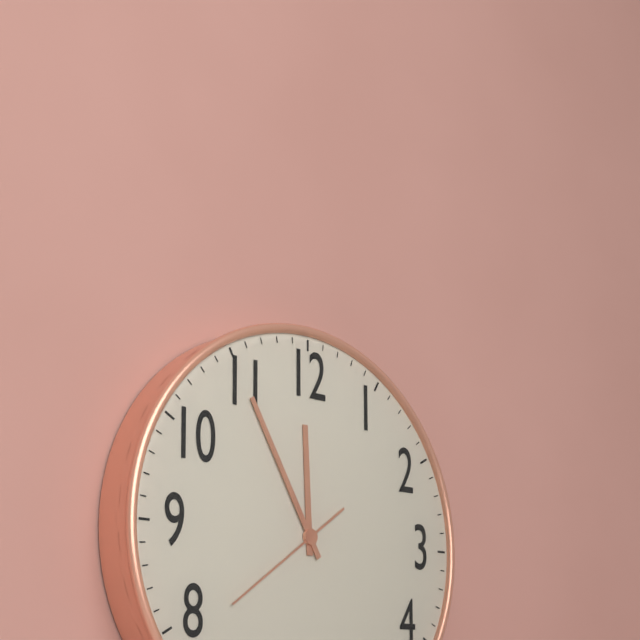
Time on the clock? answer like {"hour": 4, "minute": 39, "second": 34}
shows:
{"hour": 11, "minute": 55, "second": 39}
